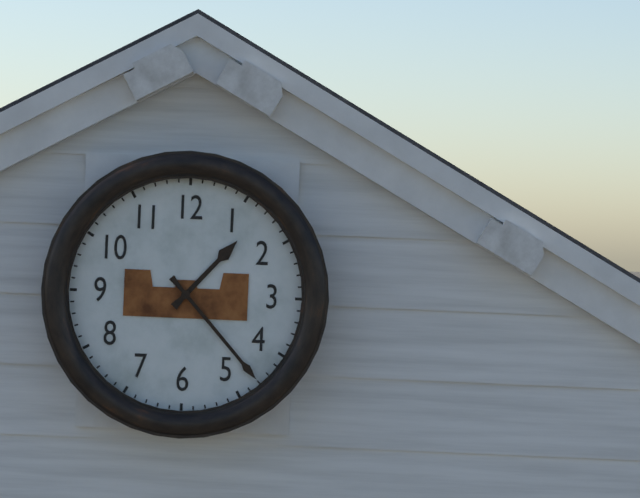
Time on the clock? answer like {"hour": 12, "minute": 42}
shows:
{"hour": 1, "minute": 23}
